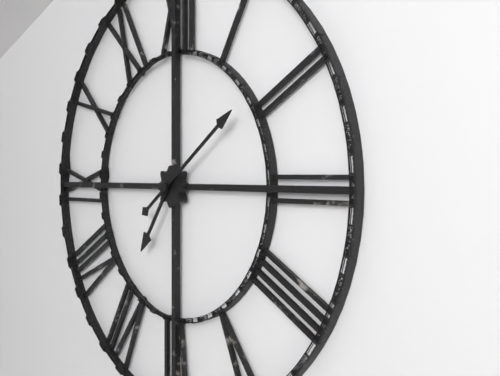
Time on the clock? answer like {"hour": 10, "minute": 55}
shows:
{"hour": 7, "minute": 9}
